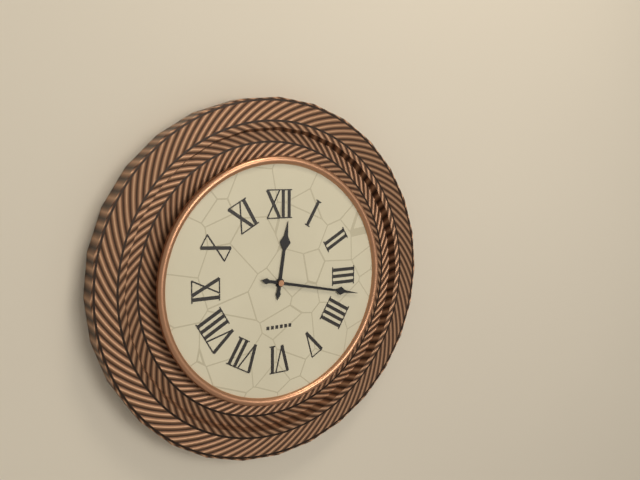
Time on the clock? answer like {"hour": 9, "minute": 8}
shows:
{"hour": 12, "minute": 17}
